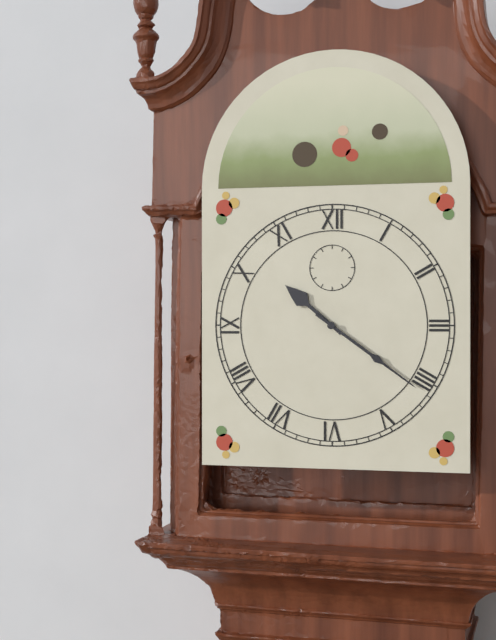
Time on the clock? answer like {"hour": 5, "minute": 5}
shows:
{"hour": 10, "minute": 21}
